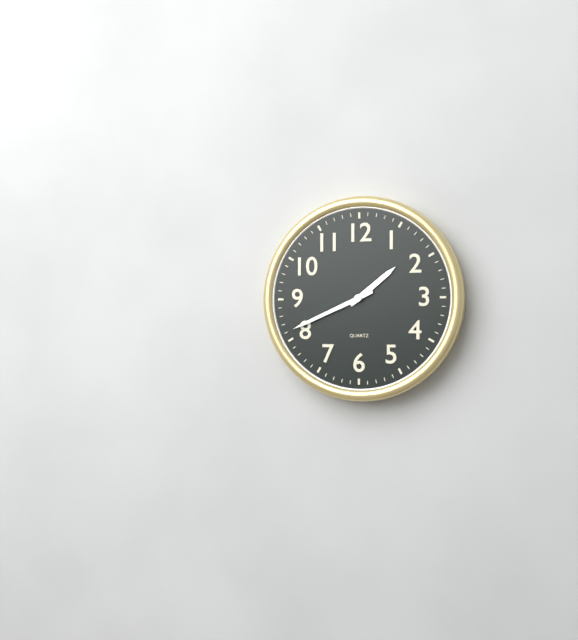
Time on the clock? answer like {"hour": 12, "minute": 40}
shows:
{"hour": 1, "minute": 41}
